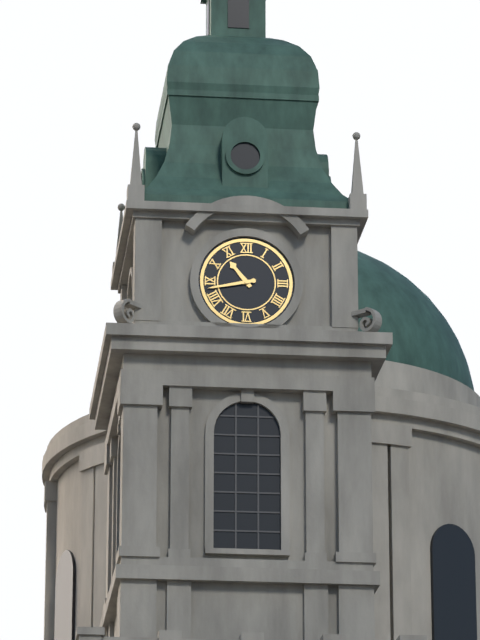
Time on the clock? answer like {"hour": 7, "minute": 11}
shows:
{"hour": 10, "minute": 43}
